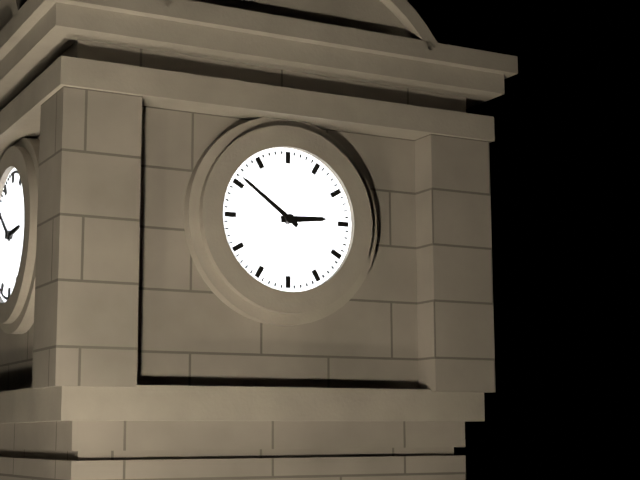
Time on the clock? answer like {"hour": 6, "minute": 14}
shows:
{"hour": 2, "minute": 51}
